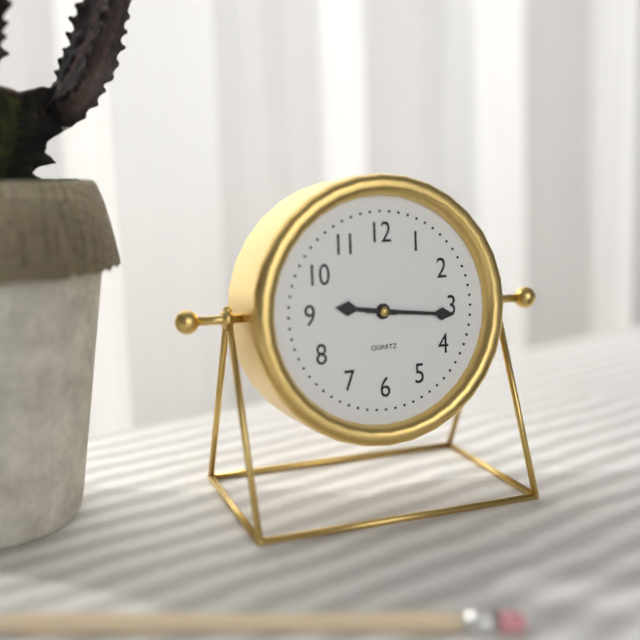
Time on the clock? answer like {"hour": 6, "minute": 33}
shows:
{"hour": 9, "minute": 16}
